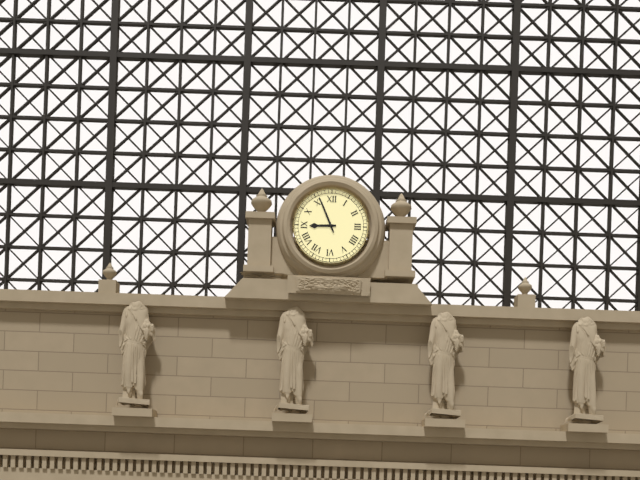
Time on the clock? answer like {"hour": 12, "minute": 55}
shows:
{"hour": 8, "minute": 56}
